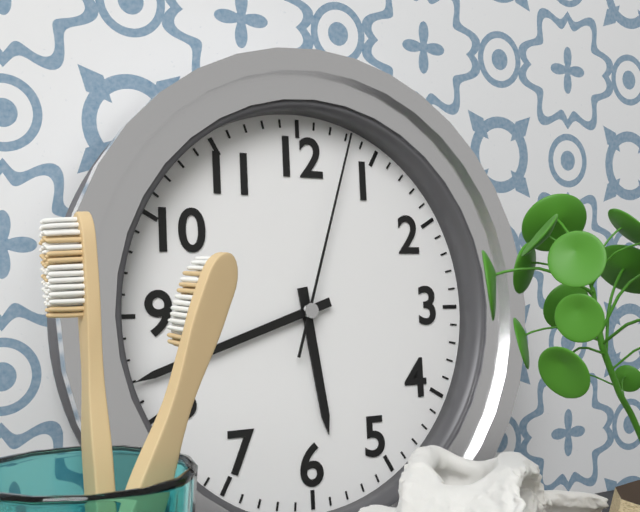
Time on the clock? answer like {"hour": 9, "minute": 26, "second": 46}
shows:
{"hour": 5, "minute": 42, "second": 3}
